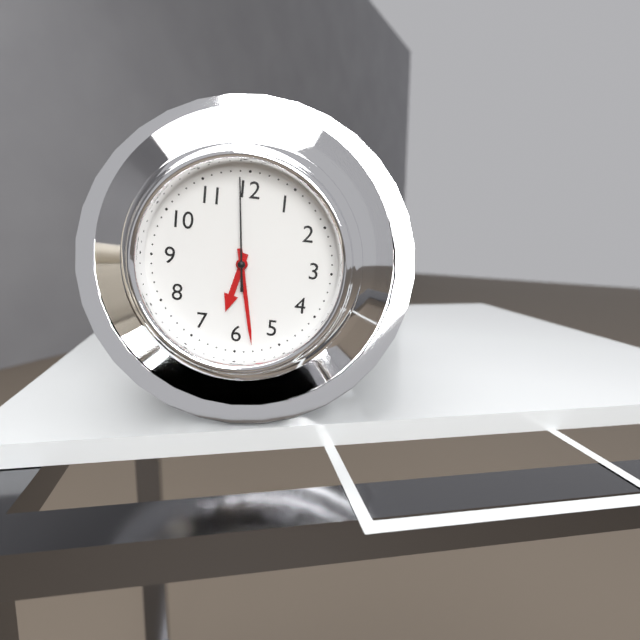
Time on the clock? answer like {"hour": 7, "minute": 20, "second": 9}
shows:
{"hour": 6, "minute": 28, "second": 59}
